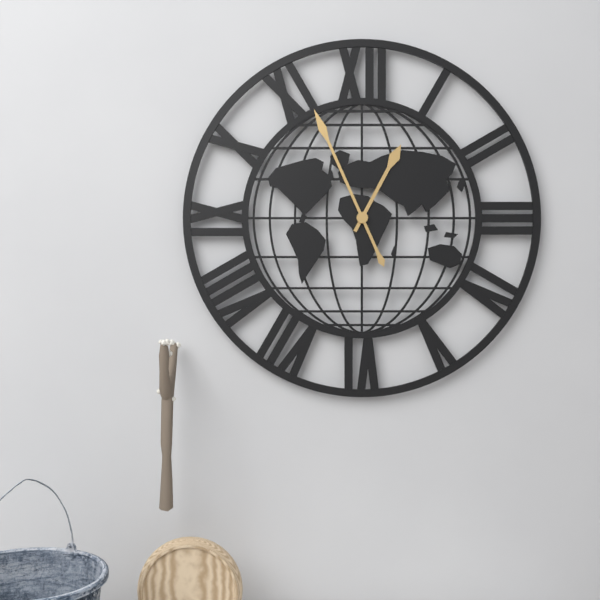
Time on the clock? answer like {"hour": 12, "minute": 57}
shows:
{"hour": 12, "minute": 56}
